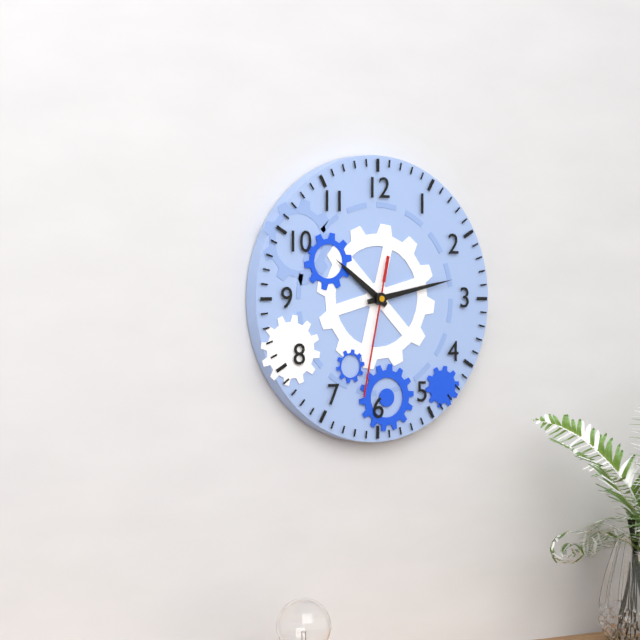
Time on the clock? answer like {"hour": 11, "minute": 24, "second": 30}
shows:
{"hour": 10, "minute": 13, "second": 32}
